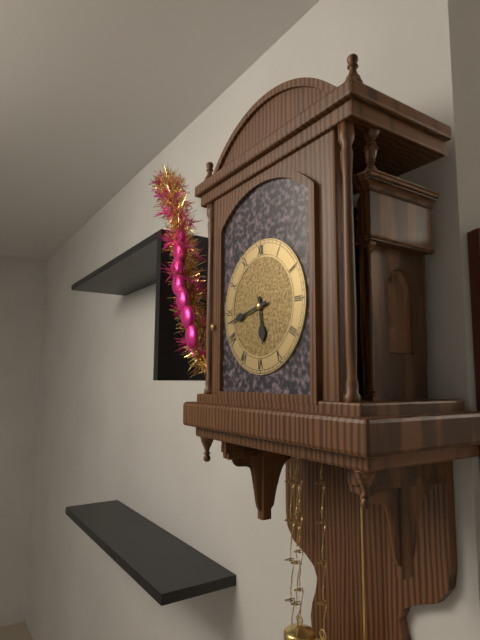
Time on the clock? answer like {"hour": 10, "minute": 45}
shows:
{"hour": 5, "minute": 43}
